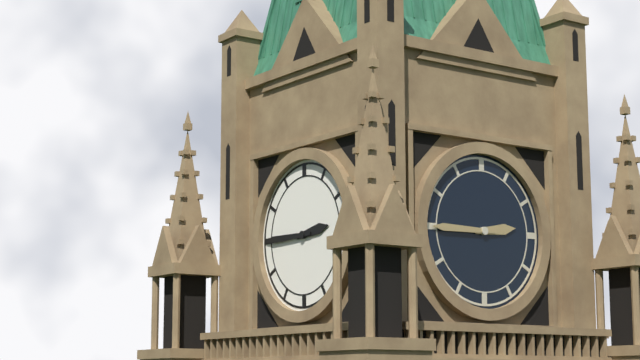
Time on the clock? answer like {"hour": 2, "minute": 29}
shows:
{"hour": 2, "minute": 45}
